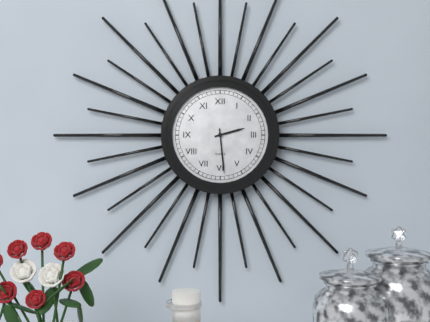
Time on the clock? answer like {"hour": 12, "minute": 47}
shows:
{"hour": 2, "minute": 29}
